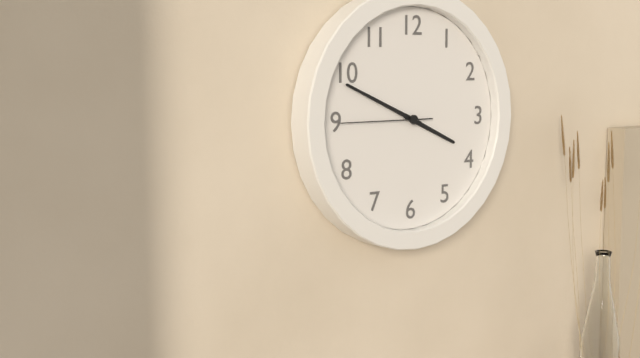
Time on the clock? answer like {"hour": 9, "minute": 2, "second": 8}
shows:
{"hour": 3, "minute": 49, "second": 45}
